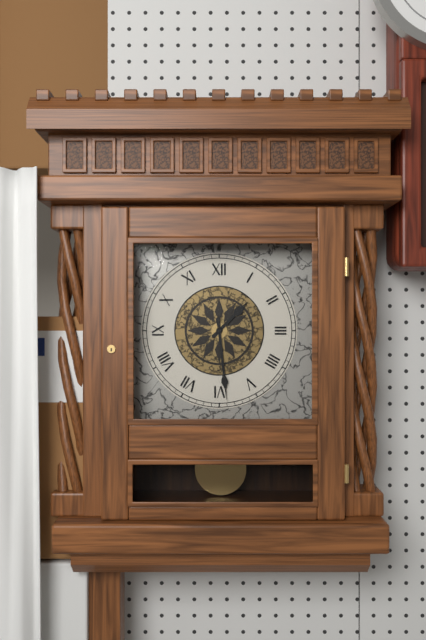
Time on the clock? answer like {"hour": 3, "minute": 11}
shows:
{"hour": 1, "minute": 29}
